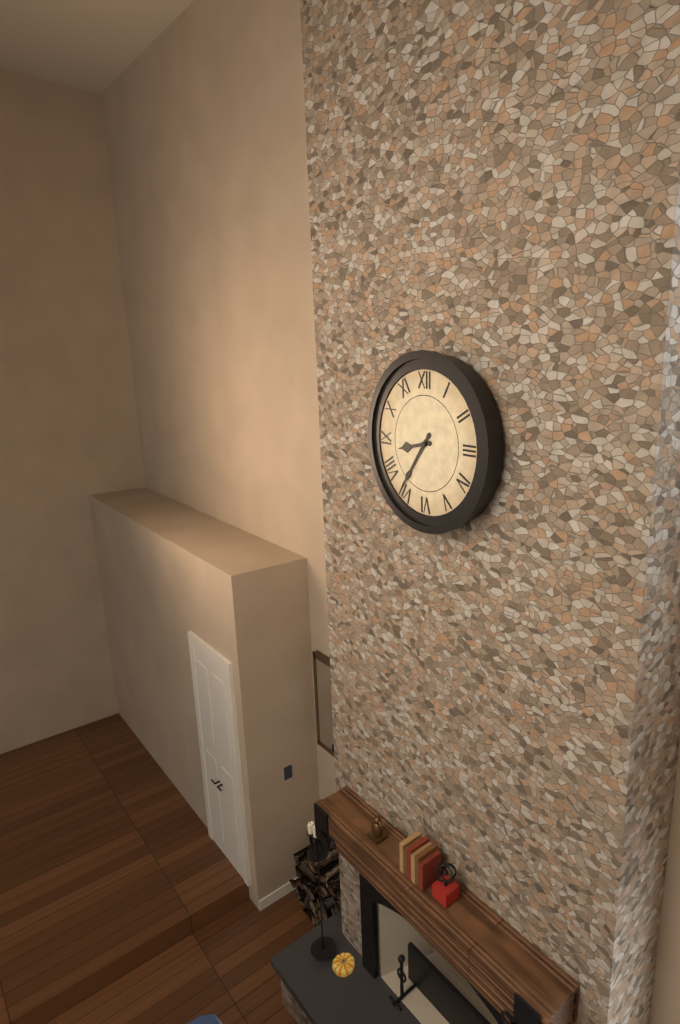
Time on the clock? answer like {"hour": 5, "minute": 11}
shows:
{"hour": 8, "minute": 36}
